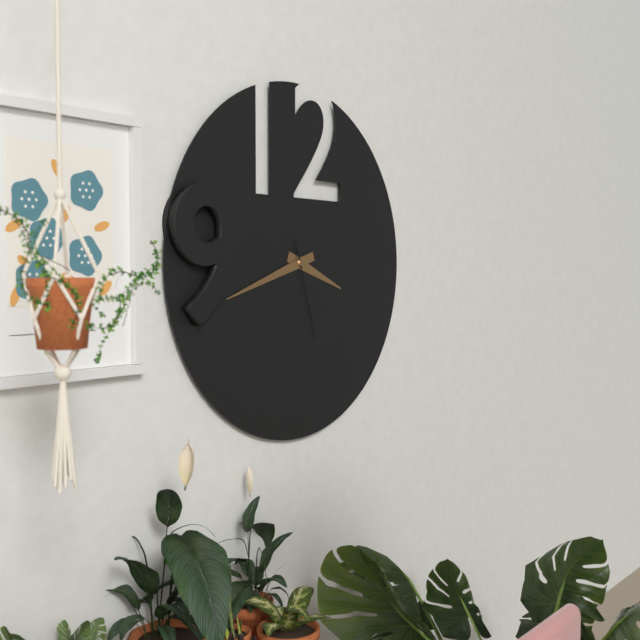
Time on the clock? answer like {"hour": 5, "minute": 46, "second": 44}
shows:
{"hour": 3, "minute": 42, "second": 27}
